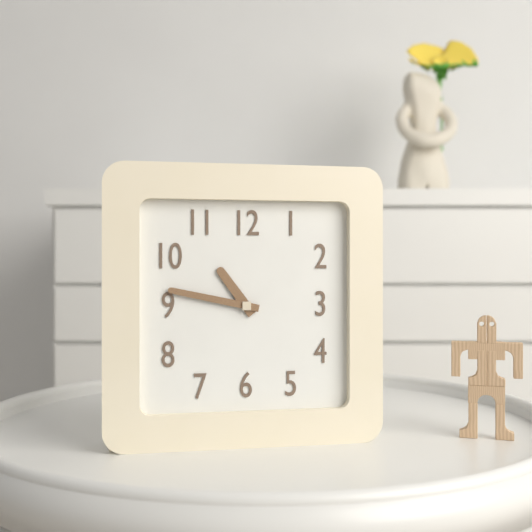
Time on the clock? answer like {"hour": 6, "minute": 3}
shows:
{"hour": 10, "minute": 47}
